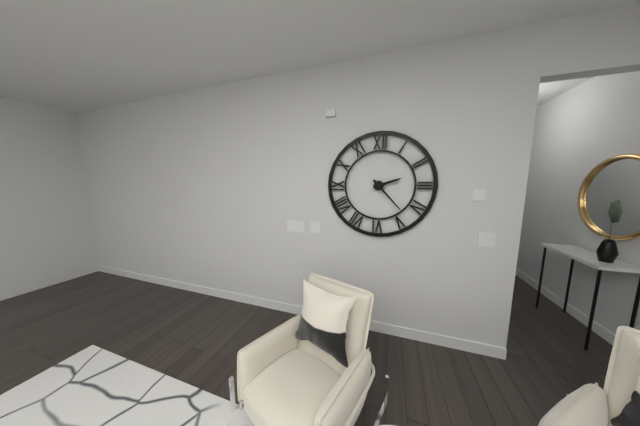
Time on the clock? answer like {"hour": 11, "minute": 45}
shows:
{"hour": 2, "minute": 23}
